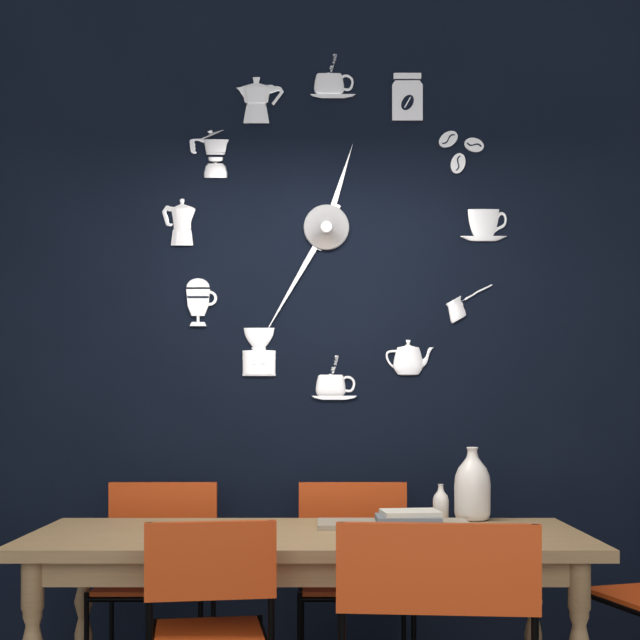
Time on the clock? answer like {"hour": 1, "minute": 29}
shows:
{"hour": 12, "minute": 35}
